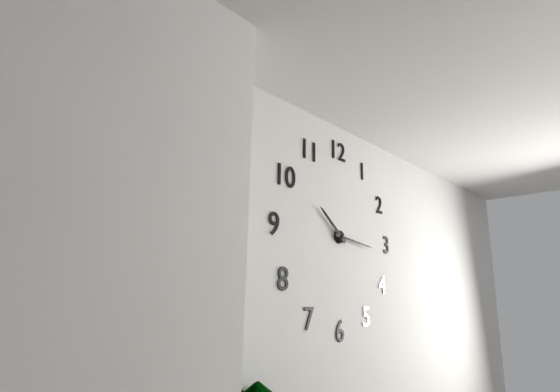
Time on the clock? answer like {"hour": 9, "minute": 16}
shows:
{"hour": 10, "minute": 16}
